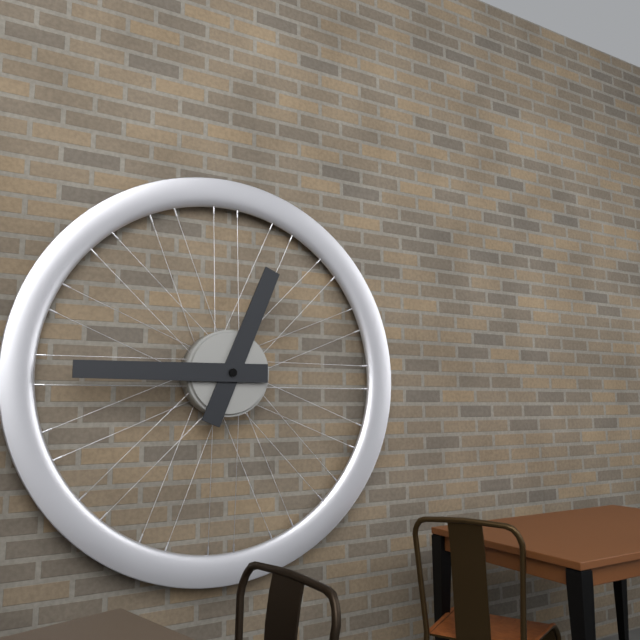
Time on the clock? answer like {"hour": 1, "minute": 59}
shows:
{"hour": 12, "minute": 45}
